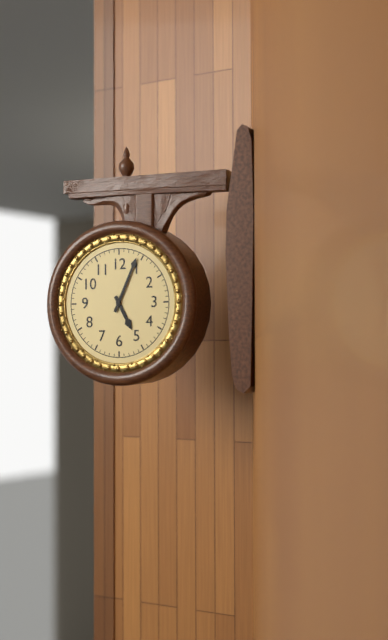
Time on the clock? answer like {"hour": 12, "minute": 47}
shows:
{"hour": 5, "minute": 4}
